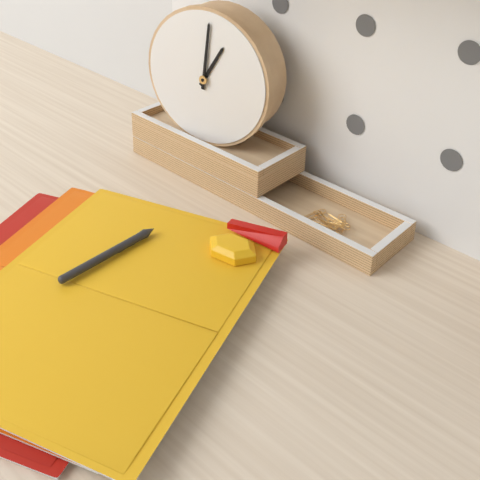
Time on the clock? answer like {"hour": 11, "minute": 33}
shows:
{"hour": 1, "minute": 1}
